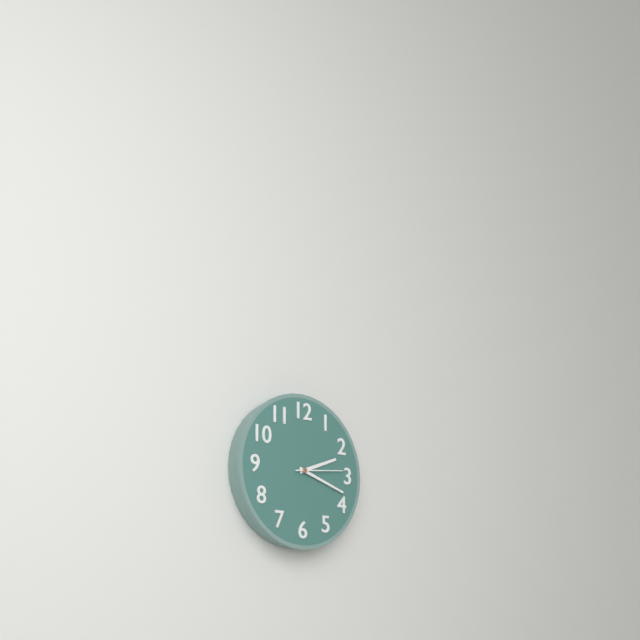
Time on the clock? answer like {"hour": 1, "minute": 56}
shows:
{"hour": 2, "minute": 18}
